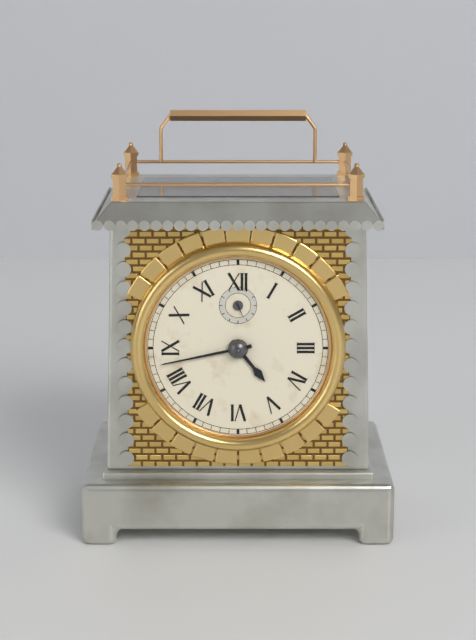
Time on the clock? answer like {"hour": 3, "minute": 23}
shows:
{"hour": 4, "minute": 43}
